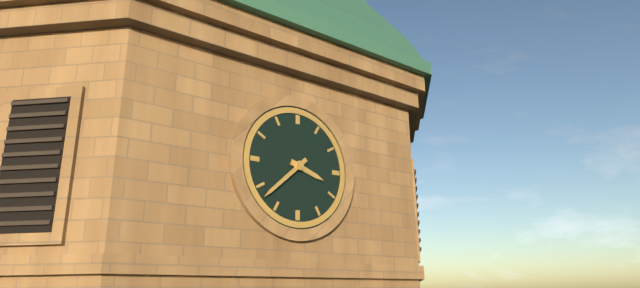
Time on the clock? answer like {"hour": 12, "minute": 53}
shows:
{"hour": 3, "minute": 38}
